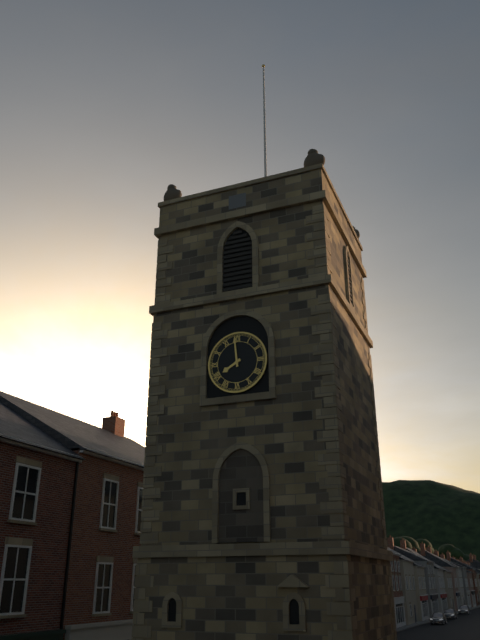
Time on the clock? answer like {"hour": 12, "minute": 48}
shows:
{"hour": 7, "minute": 59}
